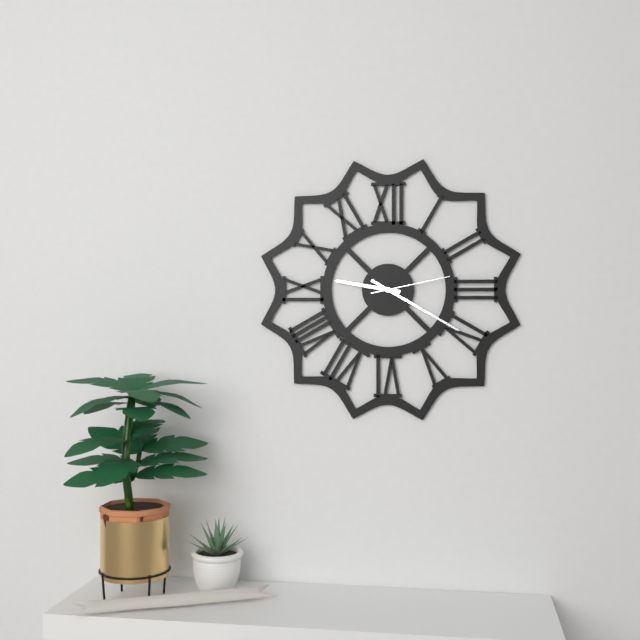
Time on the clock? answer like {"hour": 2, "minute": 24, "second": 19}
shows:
{"hour": 9, "minute": 20, "second": 13}
